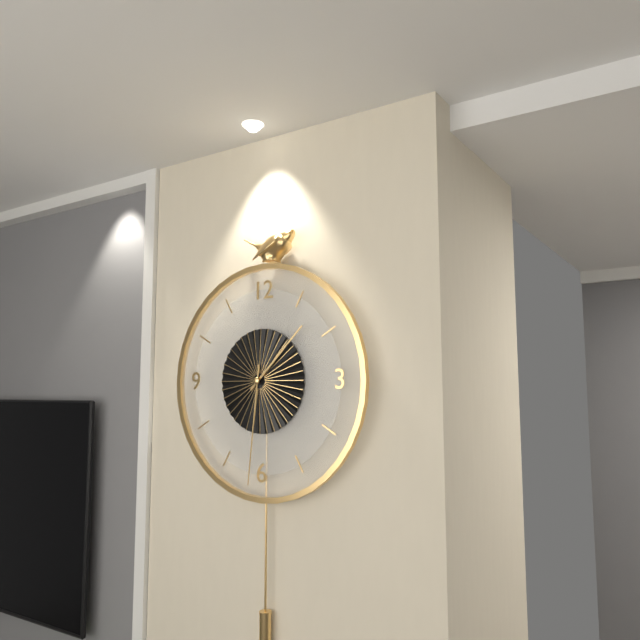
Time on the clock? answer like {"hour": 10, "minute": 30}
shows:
{"hour": 1, "minute": 31}
